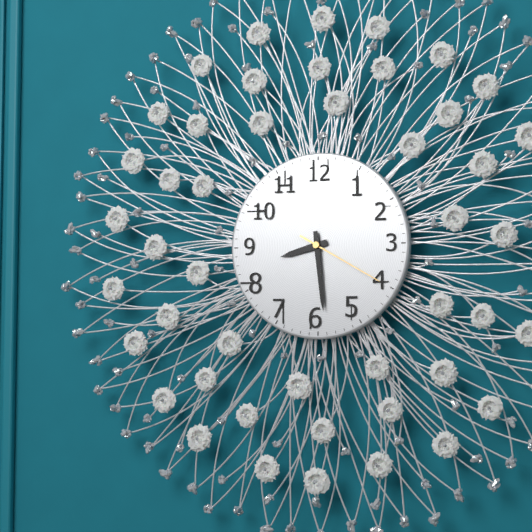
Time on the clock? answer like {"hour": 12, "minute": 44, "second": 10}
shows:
{"hour": 8, "minute": 29, "second": 20}
